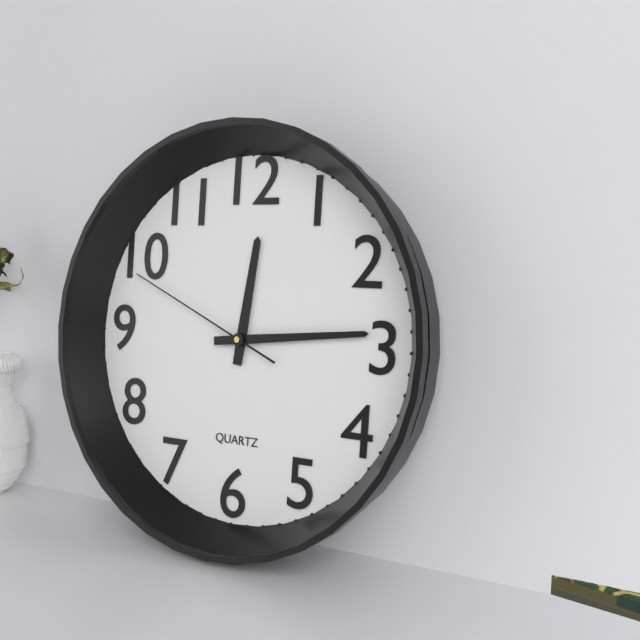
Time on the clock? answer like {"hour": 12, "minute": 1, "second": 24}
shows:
{"hour": 12, "minute": 14, "second": 49}
